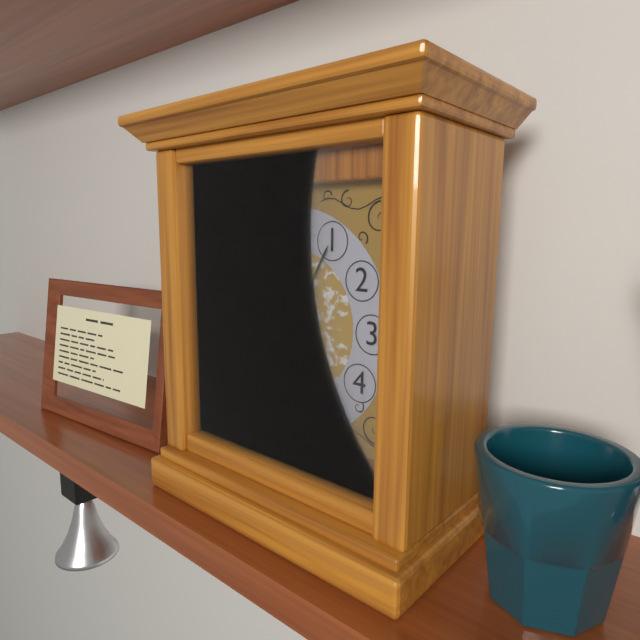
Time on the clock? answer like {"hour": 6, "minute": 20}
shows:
{"hour": 11, "minute": 5}
